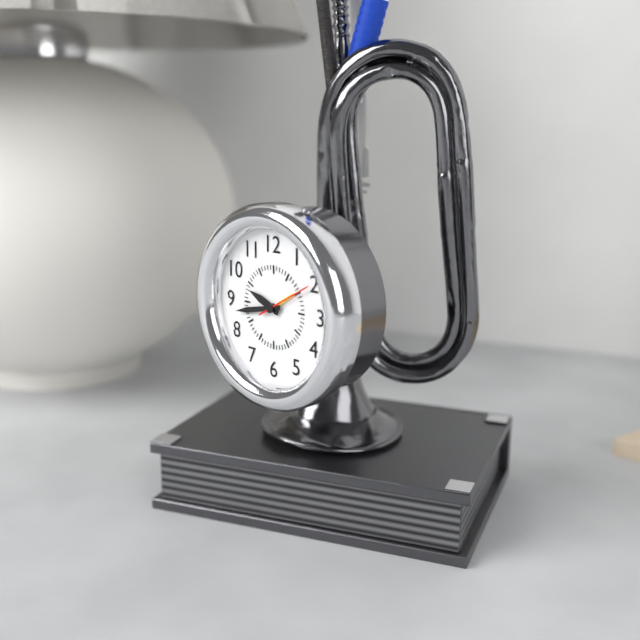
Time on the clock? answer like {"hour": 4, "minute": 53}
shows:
{"hour": 9, "minute": 43}
